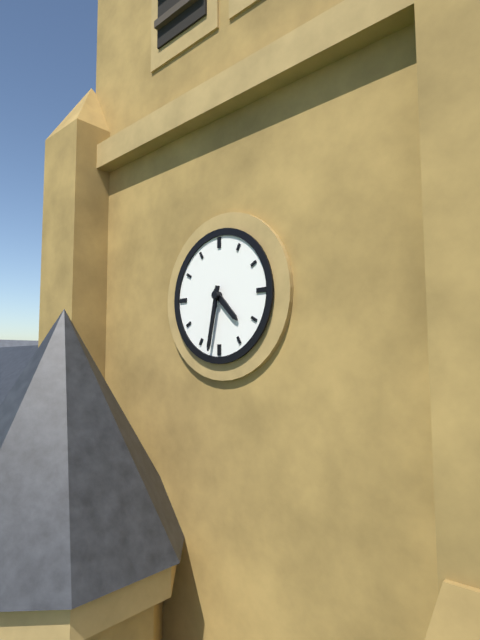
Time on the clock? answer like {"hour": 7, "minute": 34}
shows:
{"hour": 4, "minute": 32}
